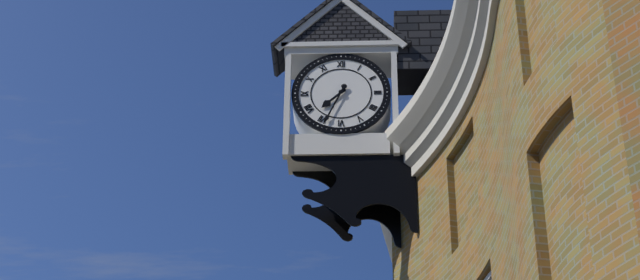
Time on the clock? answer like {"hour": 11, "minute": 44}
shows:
{"hour": 7, "minute": 34}
